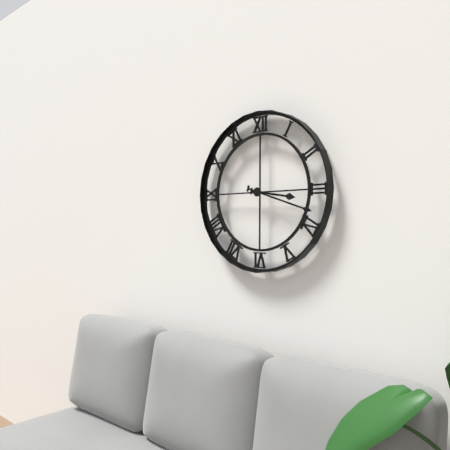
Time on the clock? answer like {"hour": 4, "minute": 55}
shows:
{"hour": 3, "minute": 18}
